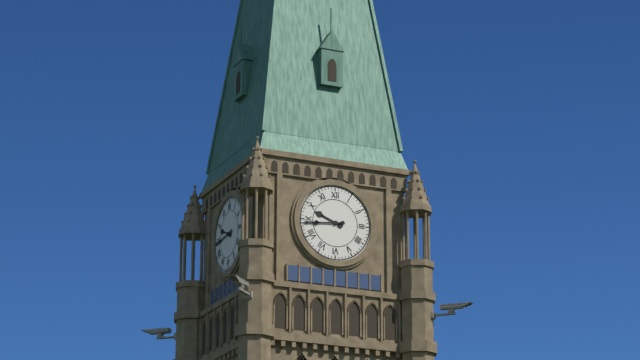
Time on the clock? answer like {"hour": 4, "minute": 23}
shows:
{"hour": 9, "minute": 44}
